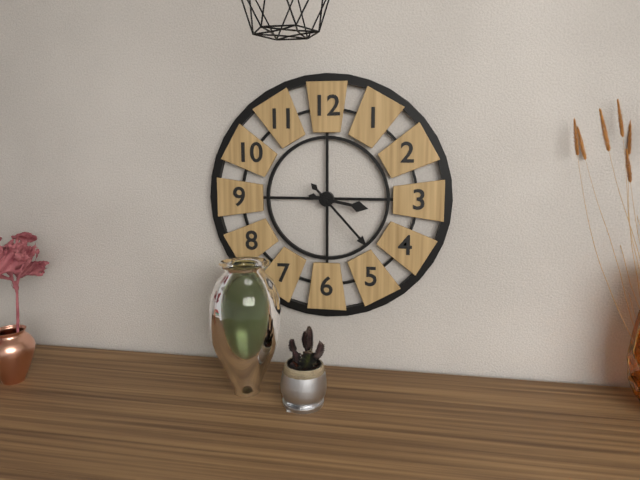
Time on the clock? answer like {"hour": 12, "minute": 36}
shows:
{"hour": 3, "minute": 23}
